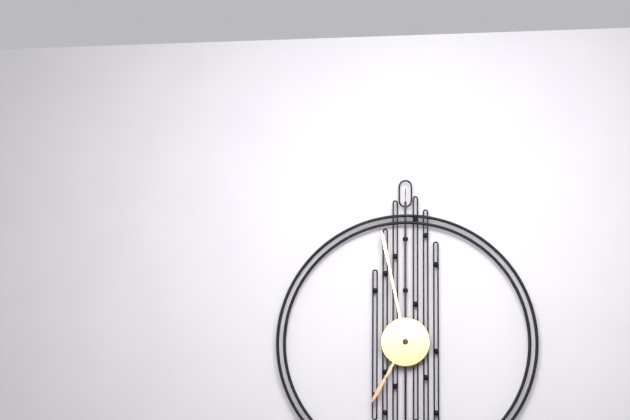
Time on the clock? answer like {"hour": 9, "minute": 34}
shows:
{"hour": 6, "minute": 58}
